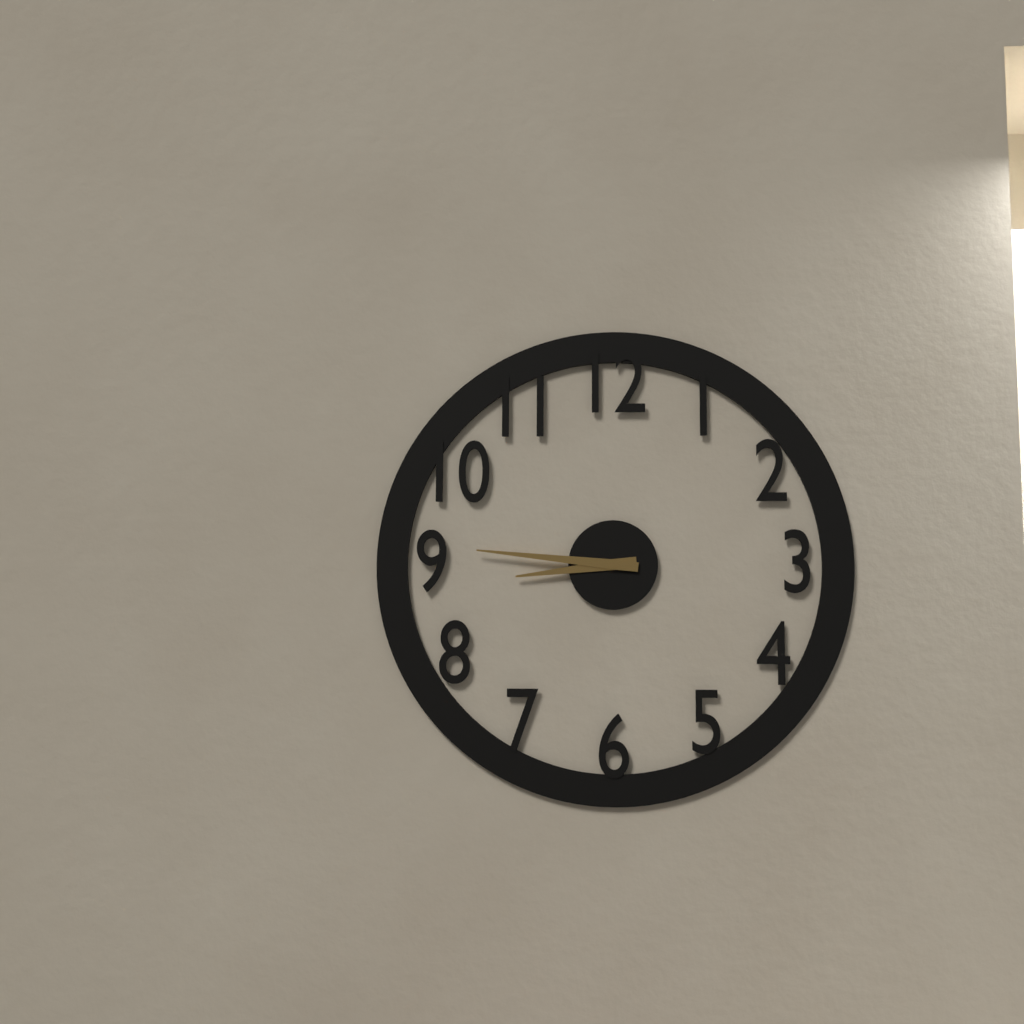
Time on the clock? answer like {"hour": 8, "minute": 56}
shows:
{"hour": 8, "minute": 46}
